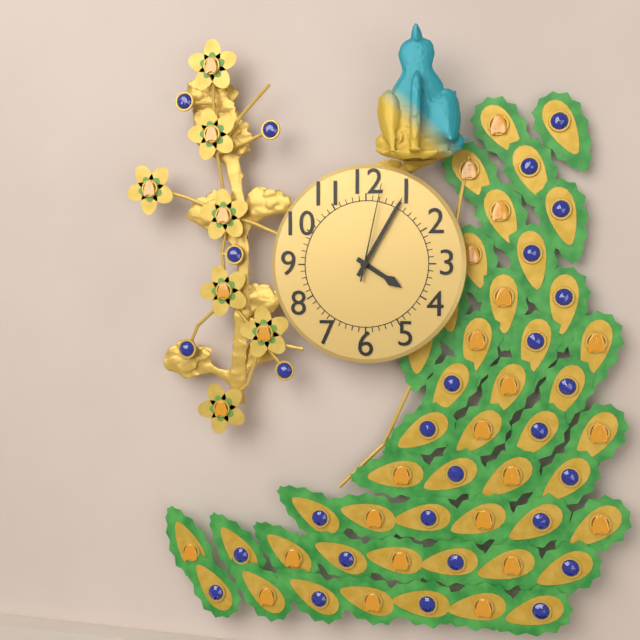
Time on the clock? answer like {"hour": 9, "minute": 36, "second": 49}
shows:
{"hour": 4, "minute": 5, "second": 2}
